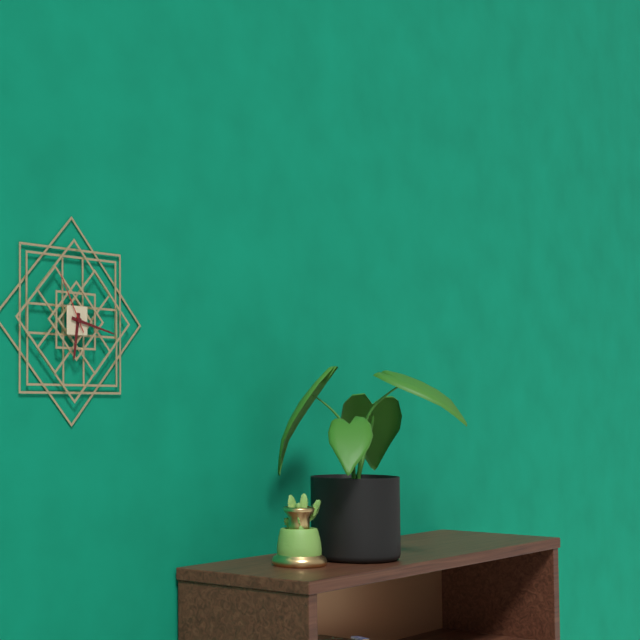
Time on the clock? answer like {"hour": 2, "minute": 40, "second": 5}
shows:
{"hour": 6, "minute": 17, "second": 55}
